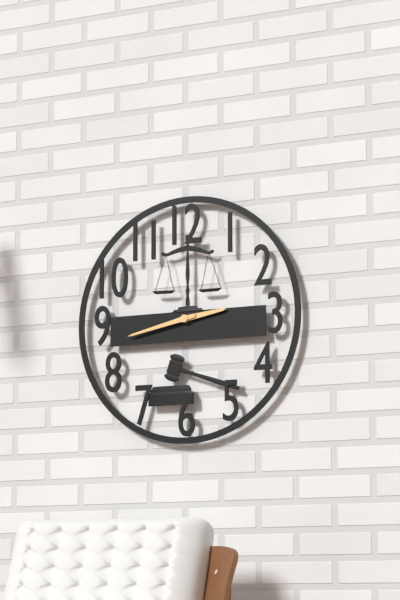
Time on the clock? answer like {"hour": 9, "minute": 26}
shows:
{"hour": 2, "minute": 43}
